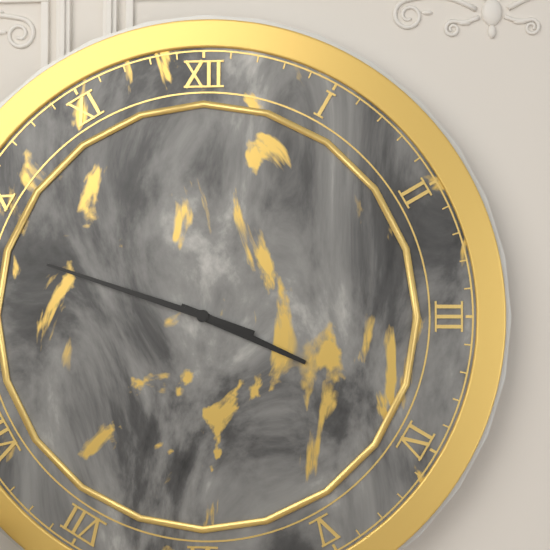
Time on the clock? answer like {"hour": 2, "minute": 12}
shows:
{"hour": 3, "minute": 48}
